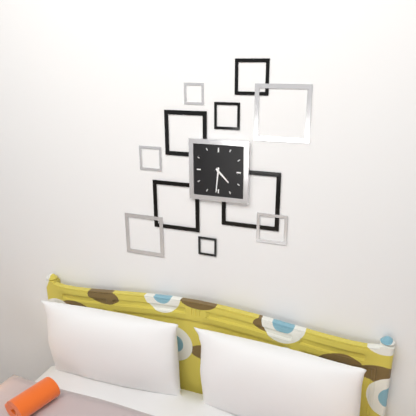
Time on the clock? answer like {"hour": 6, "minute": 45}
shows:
{"hour": 4, "minute": 31}
